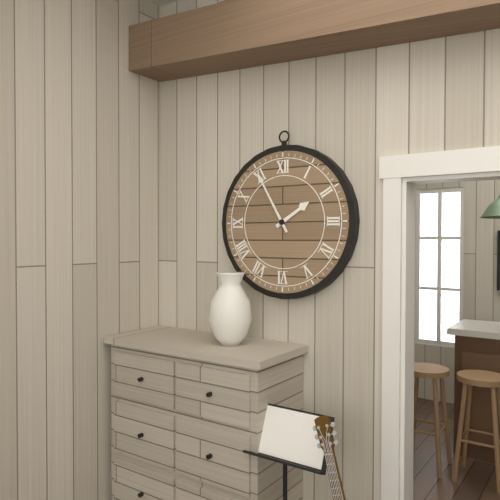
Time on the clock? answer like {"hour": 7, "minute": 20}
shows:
{"hour": 1, "minute": 55}
